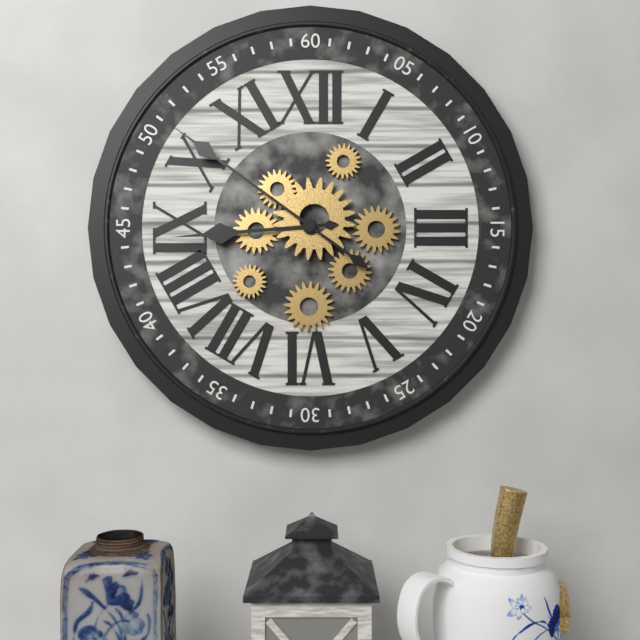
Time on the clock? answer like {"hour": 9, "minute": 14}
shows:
{"hour": 8, "minute": 51}
